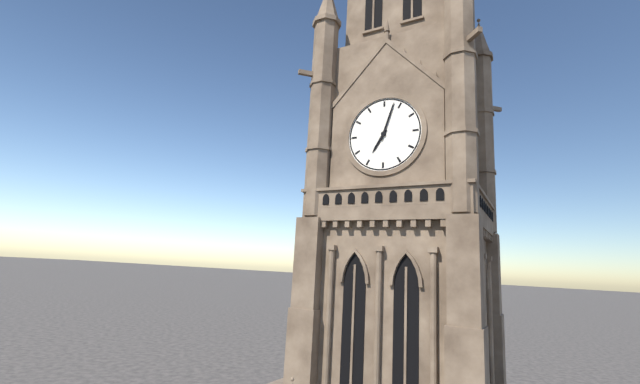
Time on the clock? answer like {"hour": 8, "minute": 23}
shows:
{"hour": 7, "minute": 3}
